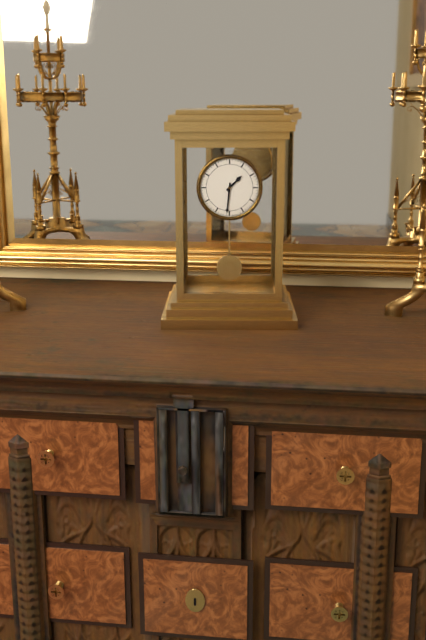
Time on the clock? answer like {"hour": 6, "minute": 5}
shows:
{"hour": 1, "minute": 31}
